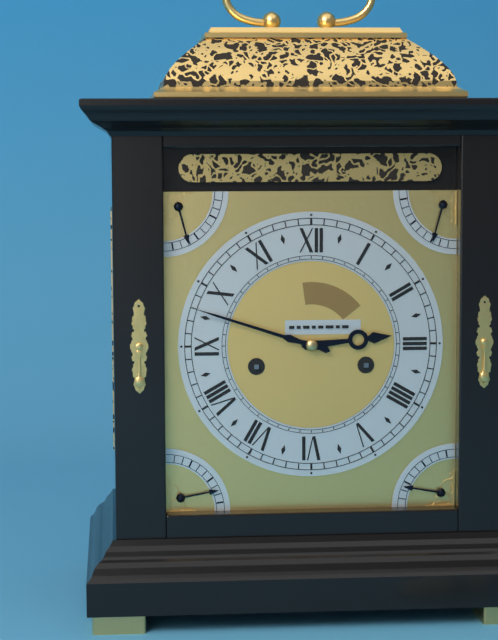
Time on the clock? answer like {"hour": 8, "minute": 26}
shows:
{"hour": 2, "minute": 48}
